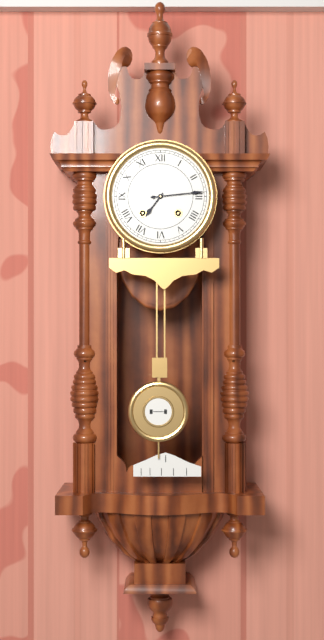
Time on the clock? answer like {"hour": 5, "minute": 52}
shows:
{"hour": 7, "minute": 14}
